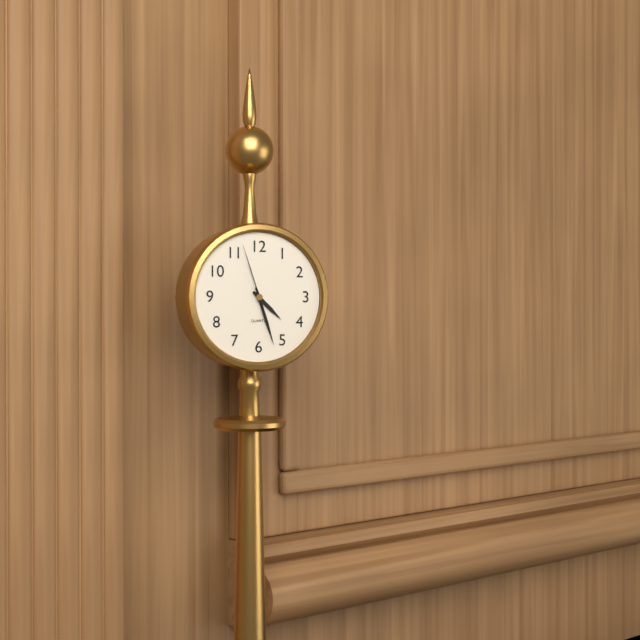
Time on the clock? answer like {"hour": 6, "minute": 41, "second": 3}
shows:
{"hour": 4, "minute": 27, "second": 57}
